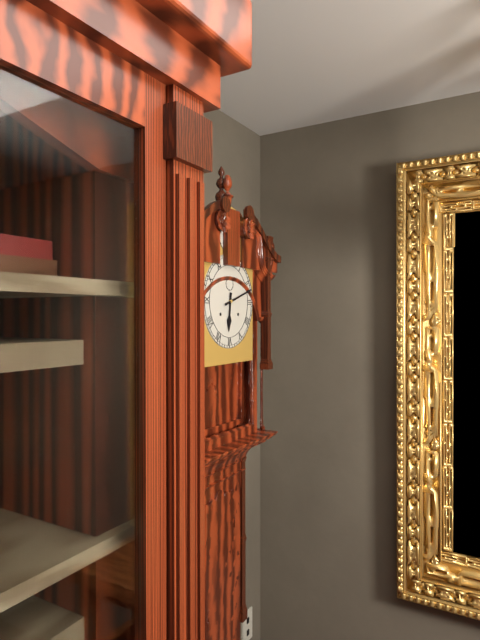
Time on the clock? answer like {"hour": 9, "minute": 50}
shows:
{"hour": 6, "minute": 12}
